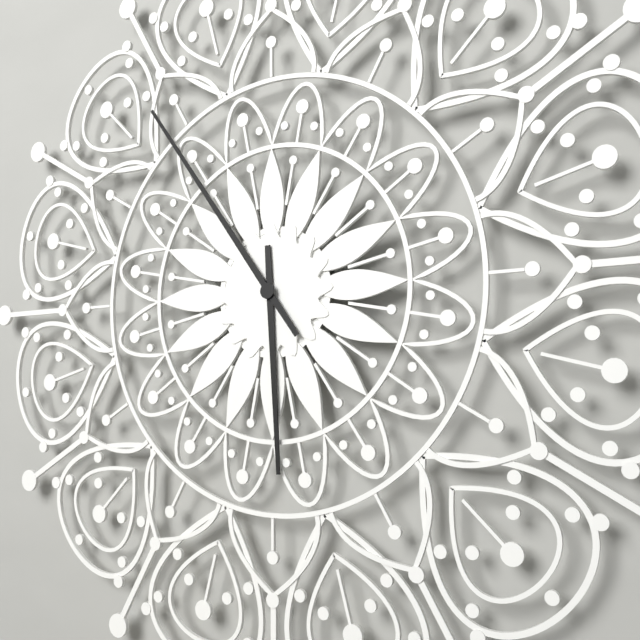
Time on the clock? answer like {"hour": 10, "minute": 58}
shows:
{"hour": 5, "minute": 54}
